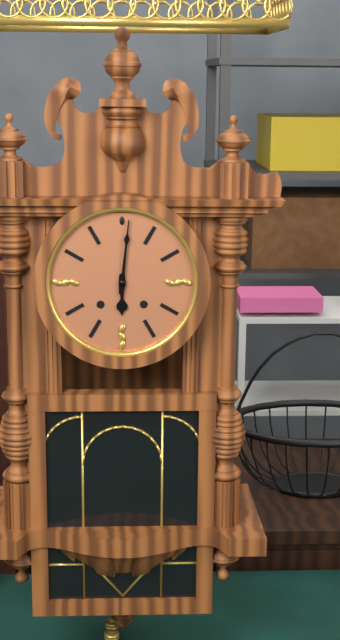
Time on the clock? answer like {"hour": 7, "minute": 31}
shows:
{"hour": 6, "minute": 1}
